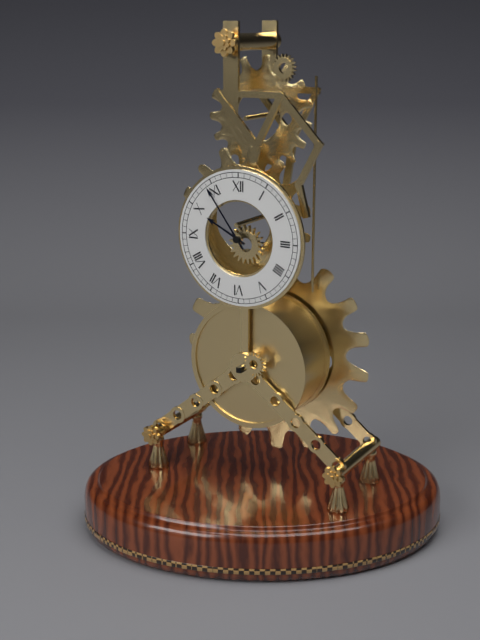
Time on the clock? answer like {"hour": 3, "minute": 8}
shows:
{"hour": 9, "minute": 54}
